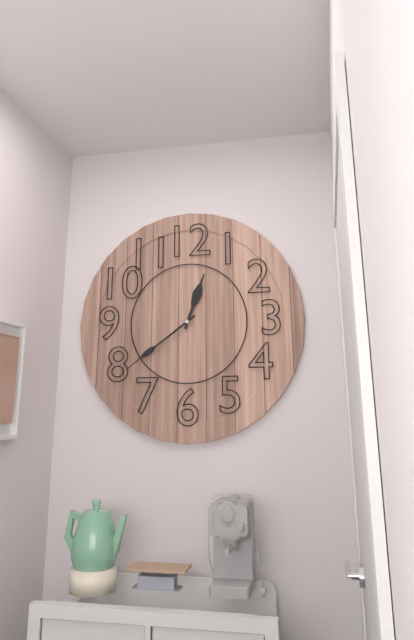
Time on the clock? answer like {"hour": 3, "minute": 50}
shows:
{"hour": 12, "minute": 39}
